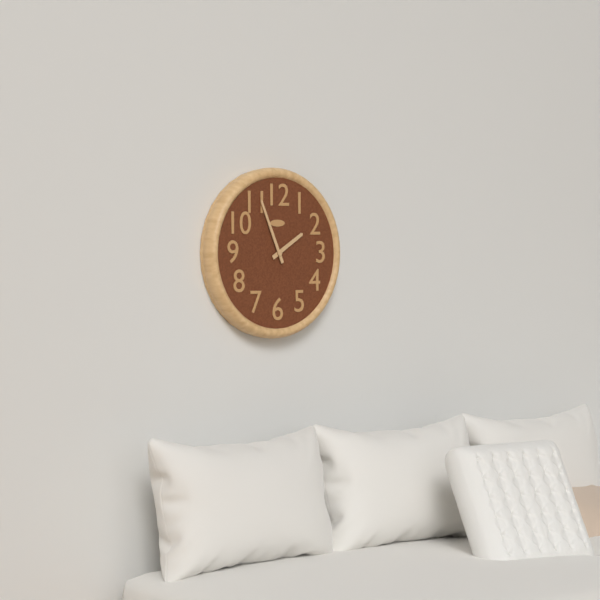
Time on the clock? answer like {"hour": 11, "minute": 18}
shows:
{"hour": 1, "minute": 56}
